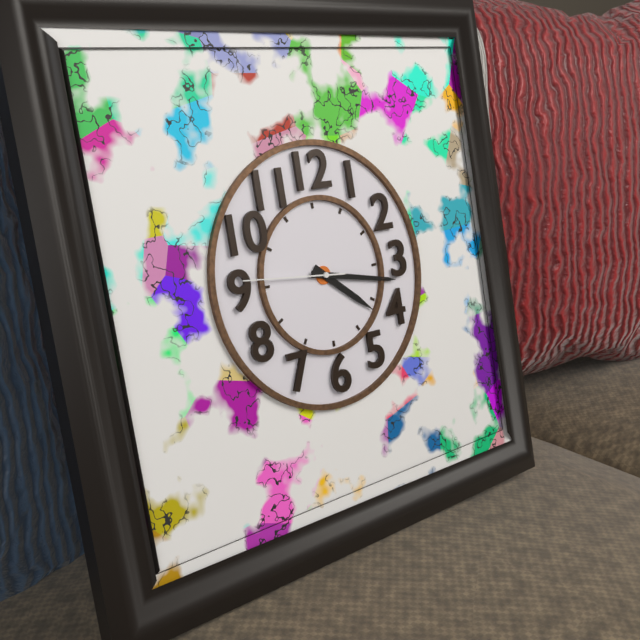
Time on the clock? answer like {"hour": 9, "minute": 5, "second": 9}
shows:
{"hour": 4, "minute": 17, "second": 46}
